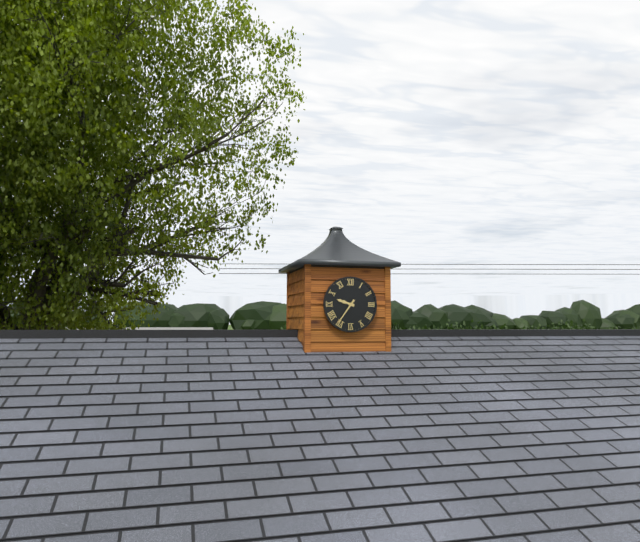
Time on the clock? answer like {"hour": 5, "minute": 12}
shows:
{"hour": 9, "minute": 36}
